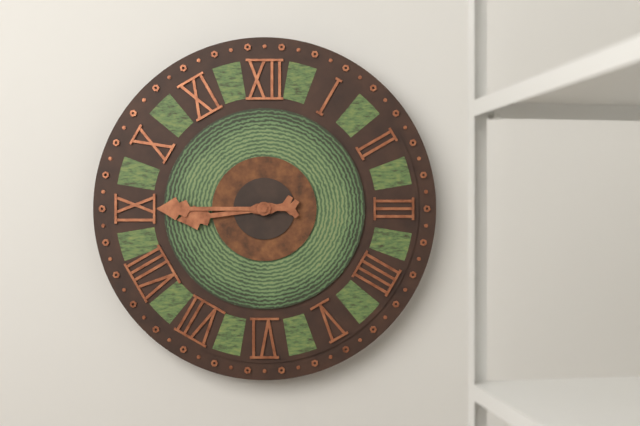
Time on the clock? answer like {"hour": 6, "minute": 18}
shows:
{"hour": 8, "minute": 45}
